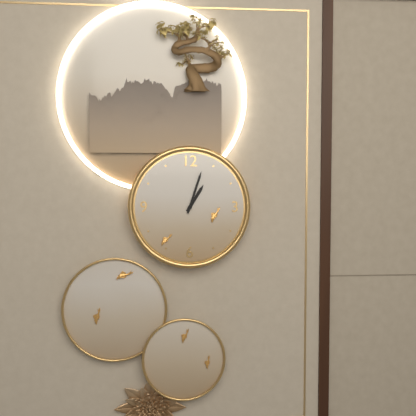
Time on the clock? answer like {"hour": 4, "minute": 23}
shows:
{"hour": 1, "minute": 3}
